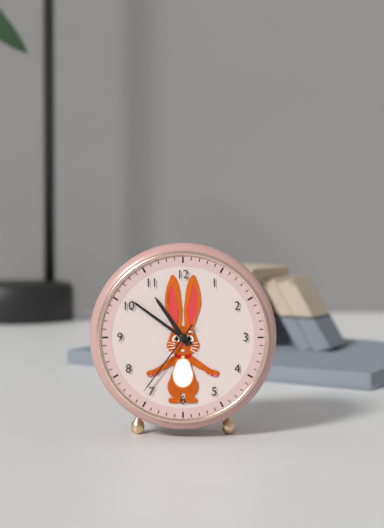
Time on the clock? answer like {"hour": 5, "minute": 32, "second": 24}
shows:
{"hour": 10, "minute": 51, "second": 36}
